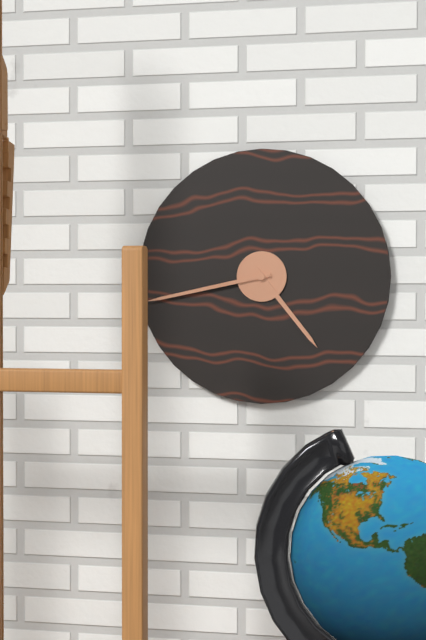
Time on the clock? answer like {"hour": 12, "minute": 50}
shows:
{"hour": 4, "minute": 43}
